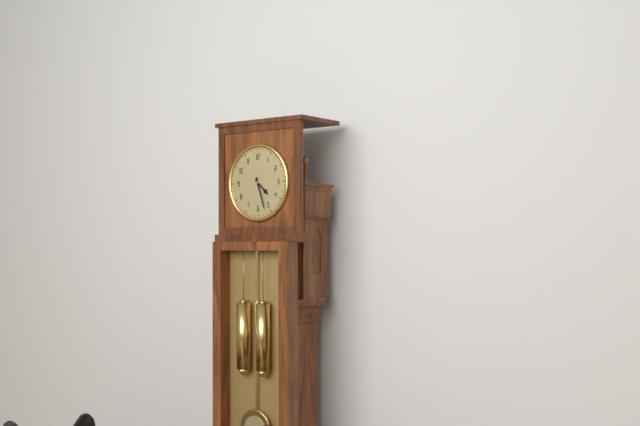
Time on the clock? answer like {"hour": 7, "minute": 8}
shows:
{"hour": 4, "minute": 27}
